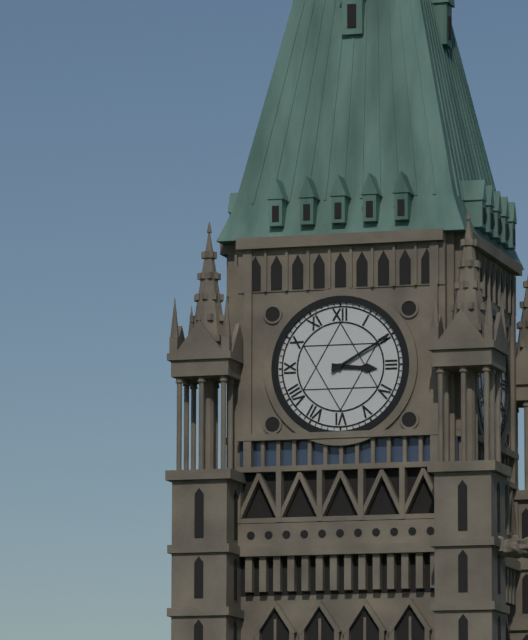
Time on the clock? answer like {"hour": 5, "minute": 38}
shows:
{"hour": 3, "minute": 10}
